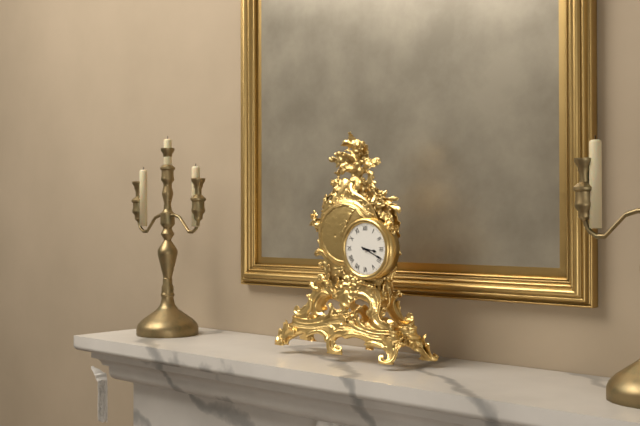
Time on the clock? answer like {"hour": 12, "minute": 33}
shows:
{"hour": 3, "minute": 19}
